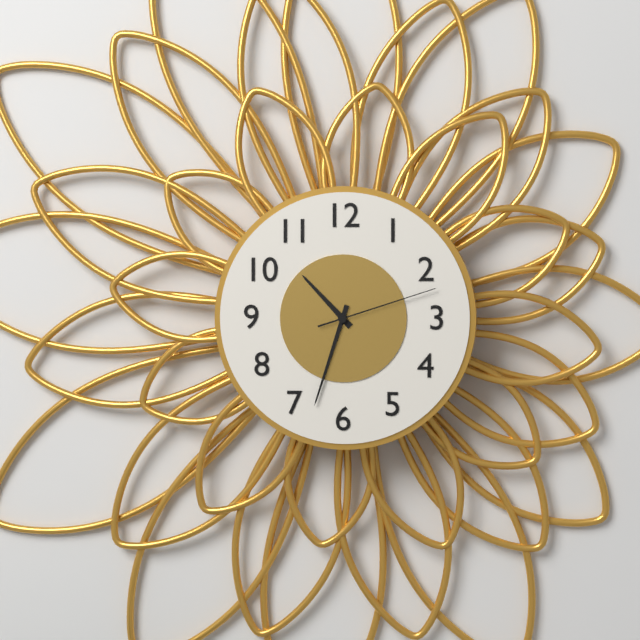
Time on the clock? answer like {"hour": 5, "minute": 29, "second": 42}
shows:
{"hour": 10, "minute": 33, "second": 12}
